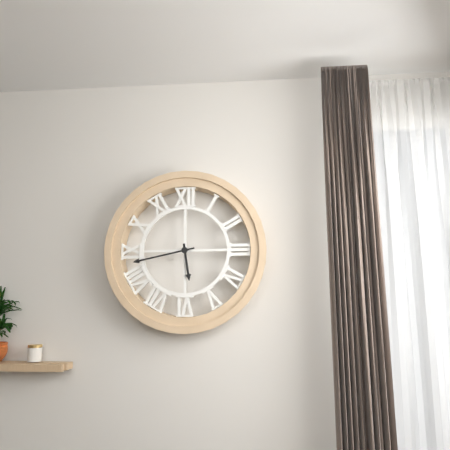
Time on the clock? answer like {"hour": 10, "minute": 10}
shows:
{"hour": 5, "minute": 43}
